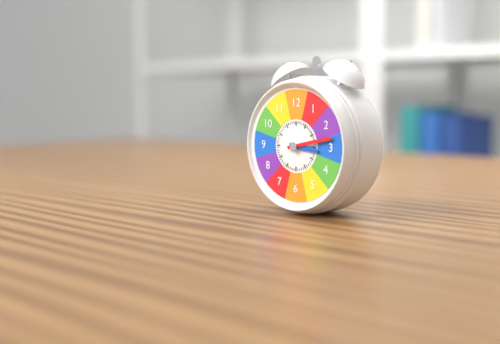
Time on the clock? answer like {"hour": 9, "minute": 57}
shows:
{"hour": 3, "minute": 13}
